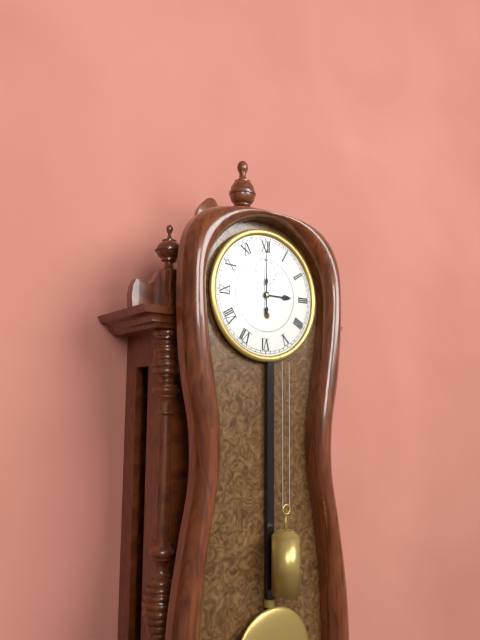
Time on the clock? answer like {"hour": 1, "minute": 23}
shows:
{"hour": 3, "minute": 0}
